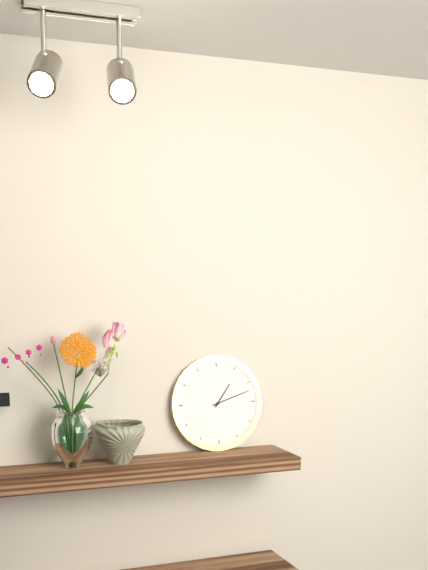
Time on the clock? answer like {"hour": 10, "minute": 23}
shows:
{"hour": 1, "minute": 12}
